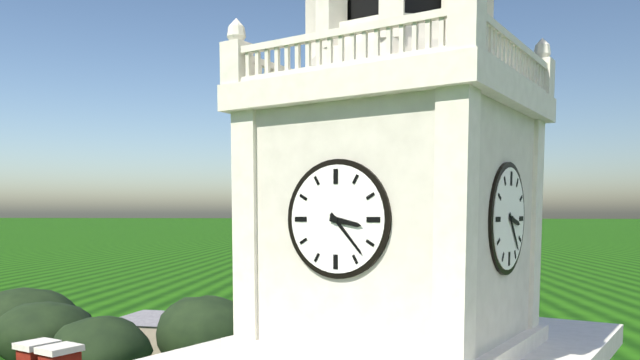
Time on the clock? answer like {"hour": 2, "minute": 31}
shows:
{"hour": 3, "minute": 23}
